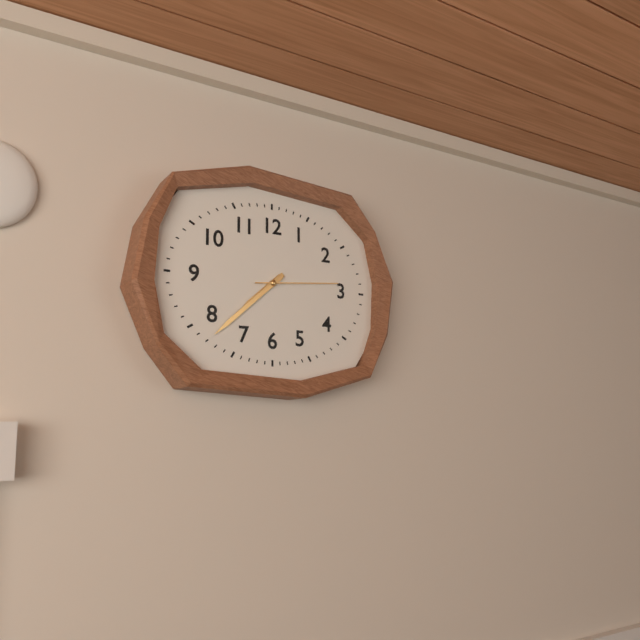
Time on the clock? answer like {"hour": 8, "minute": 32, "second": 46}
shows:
{"hour": 7, "minute": 38, "second": 14}
